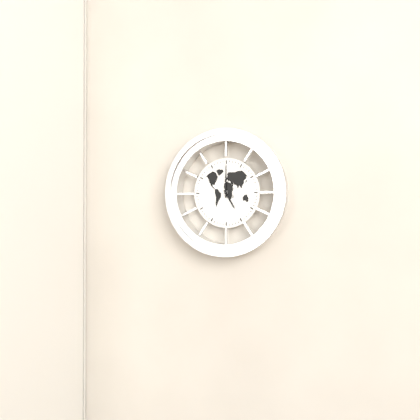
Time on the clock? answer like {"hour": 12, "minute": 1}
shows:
{"hour": 5, "minute": 0}
